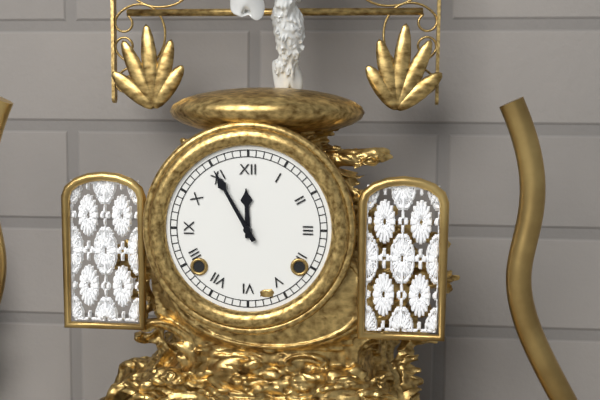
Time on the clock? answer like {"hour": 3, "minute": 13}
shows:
{"hour": 11, "minute": 55}
